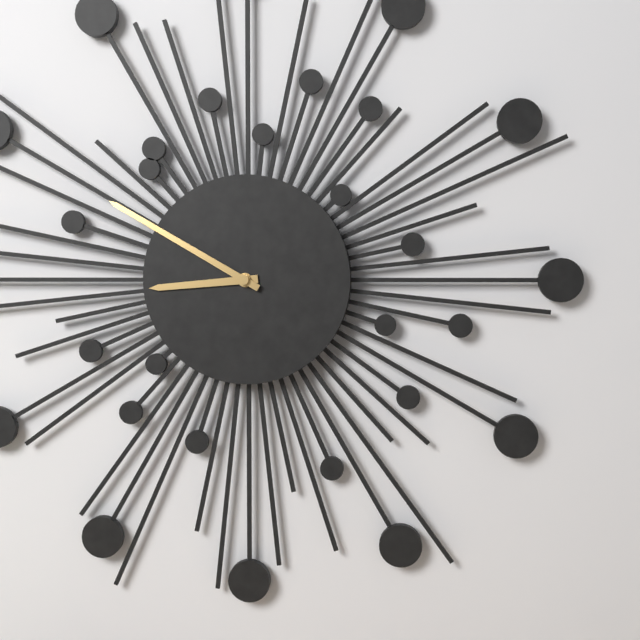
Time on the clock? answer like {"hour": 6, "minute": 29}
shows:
{"hour": 8, "minute": 50}
